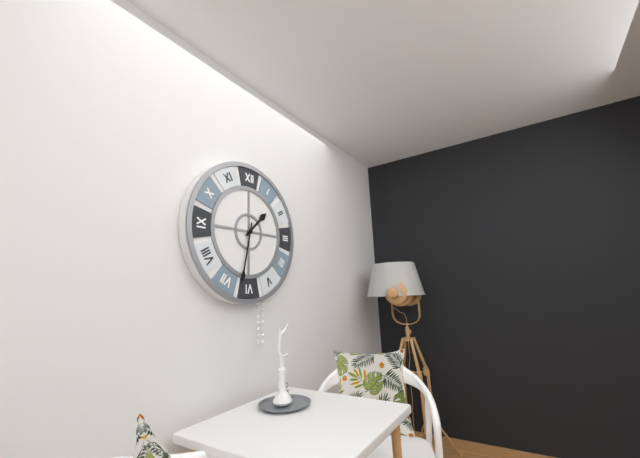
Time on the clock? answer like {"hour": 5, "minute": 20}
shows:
{"hour": 1, "minute": 32}
